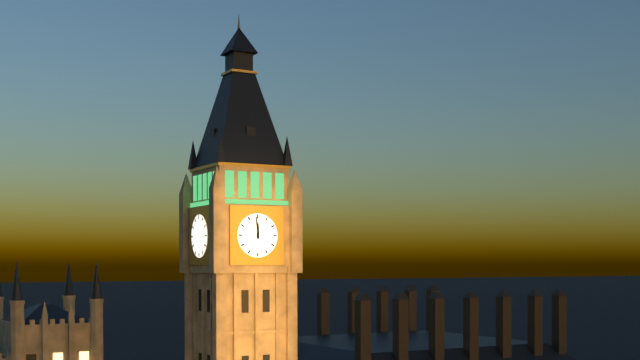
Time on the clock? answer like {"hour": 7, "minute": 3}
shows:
{"hour": 11, "minute": 59}
